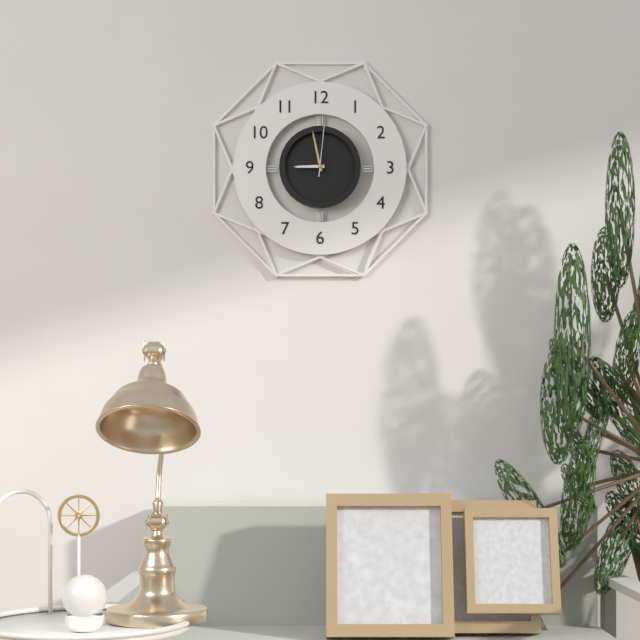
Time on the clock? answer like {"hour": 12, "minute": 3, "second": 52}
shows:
{"hour": 8, "minute": 58, "second": 1}
